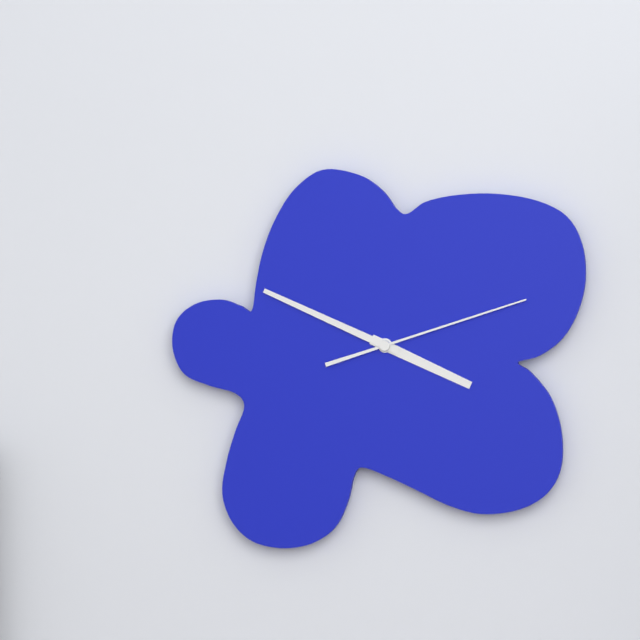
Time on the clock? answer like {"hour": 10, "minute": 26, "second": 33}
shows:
{"hour": 3, "minute": 49, "second": 12}
